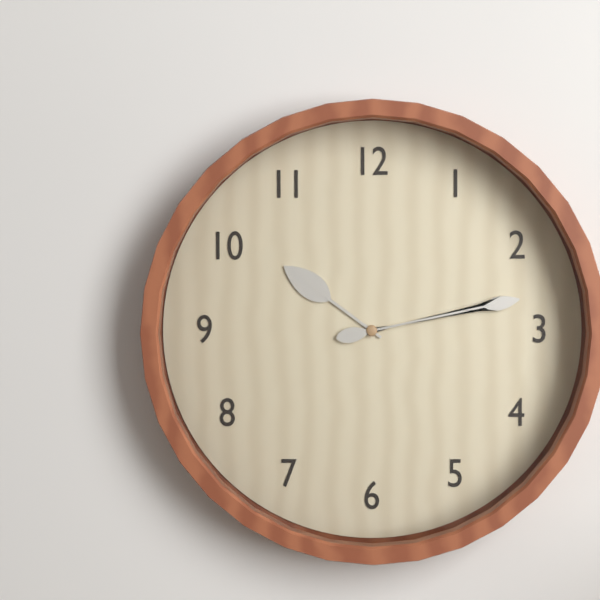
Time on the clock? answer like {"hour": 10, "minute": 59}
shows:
{"hour": 10, "minute": 13}
